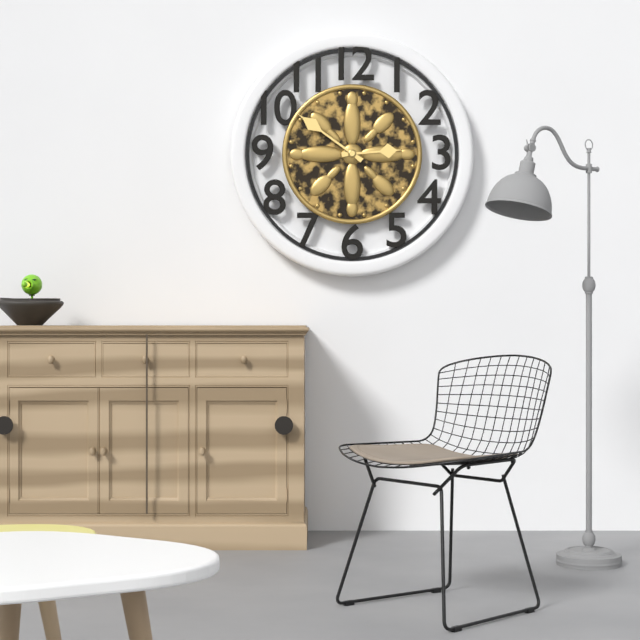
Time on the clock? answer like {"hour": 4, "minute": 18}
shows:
{"hour": 2, "minute": 51}
